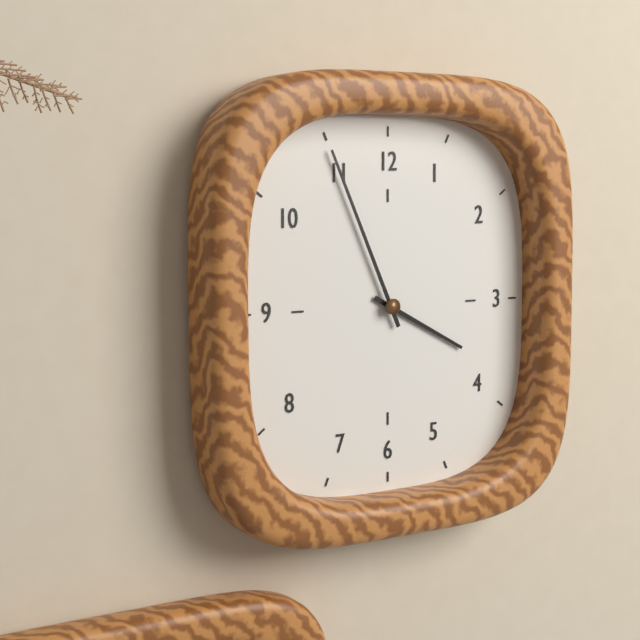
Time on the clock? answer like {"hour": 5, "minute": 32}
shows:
{"hour": 3, "minute": 56}
